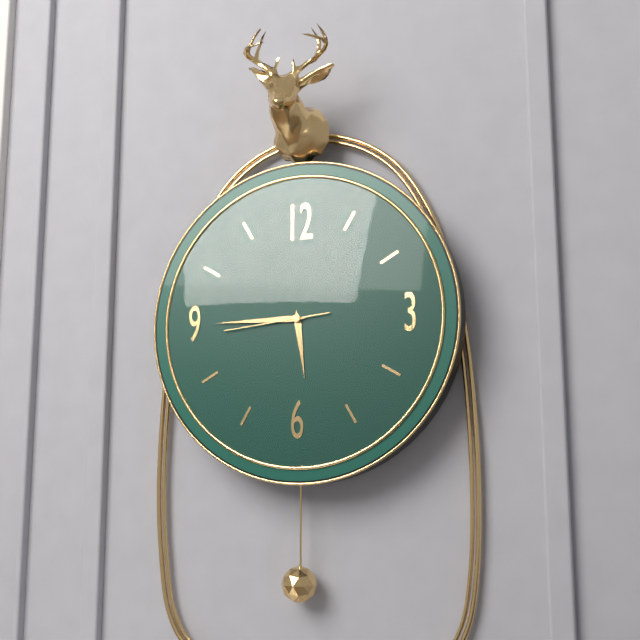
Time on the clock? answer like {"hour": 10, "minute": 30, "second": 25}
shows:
{"hour": 5, "minute": 45, "second": 44}
